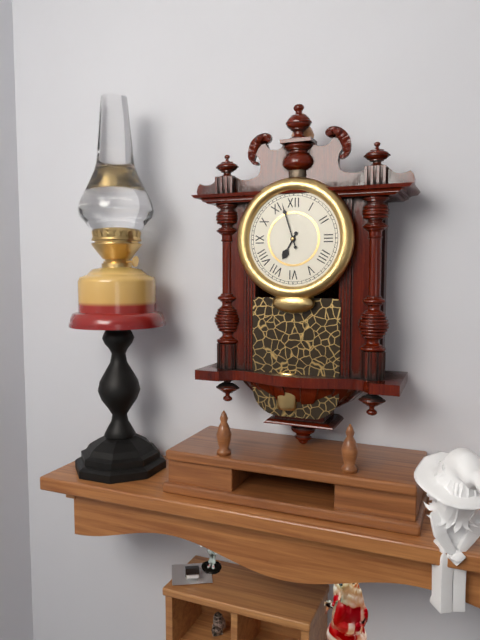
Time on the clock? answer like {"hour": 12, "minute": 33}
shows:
{"hour": 6, "minute": 57}
